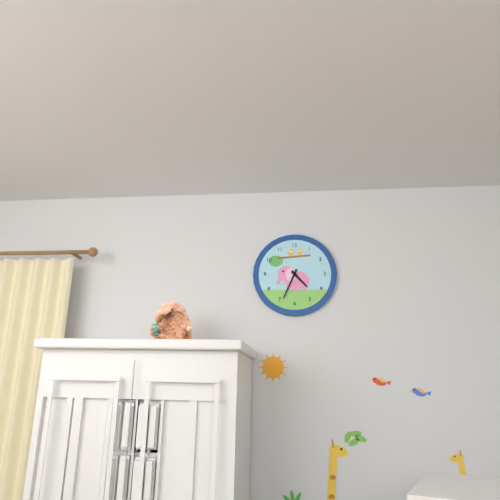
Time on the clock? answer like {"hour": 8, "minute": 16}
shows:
{"hour": 4, "minute": 34}
